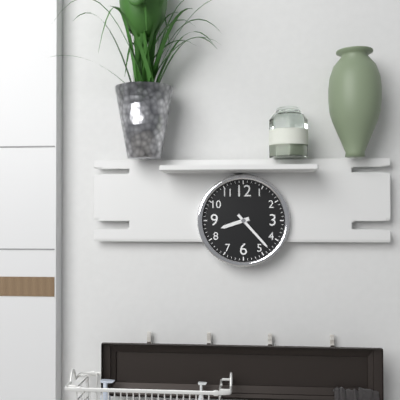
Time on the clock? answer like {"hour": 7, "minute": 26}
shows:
{"hour": 8, "minute": 23}
